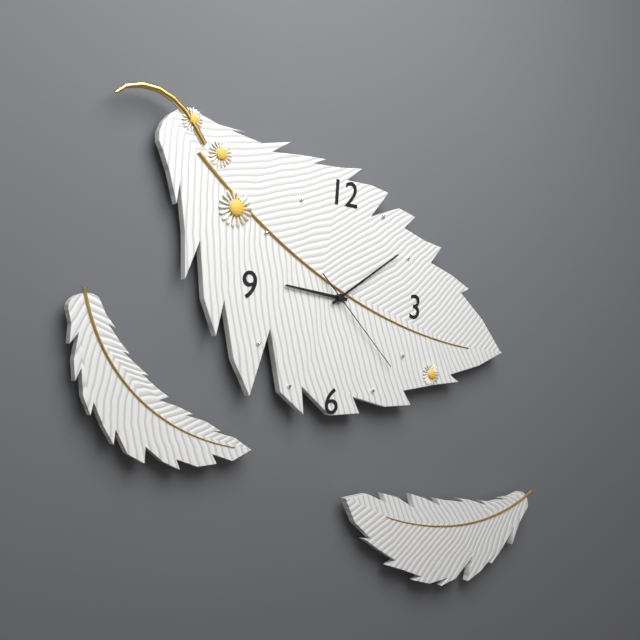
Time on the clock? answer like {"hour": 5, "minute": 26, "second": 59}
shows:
{"hour": 9, "minute": 9, "second": 22}
